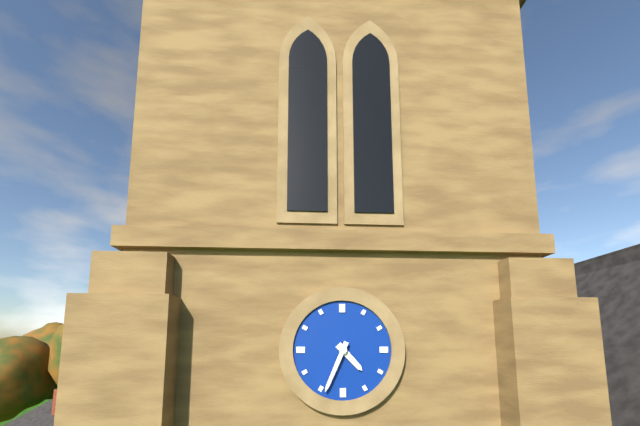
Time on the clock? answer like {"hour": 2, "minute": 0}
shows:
{"hour": 4, "minute": 34}
